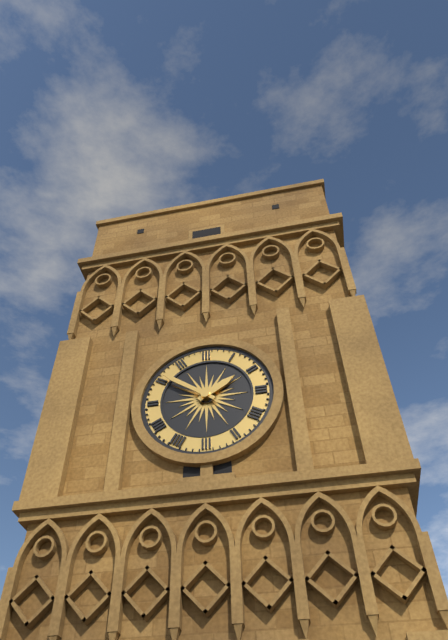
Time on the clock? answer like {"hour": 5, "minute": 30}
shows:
{"hour": 1, "minute": 51}
